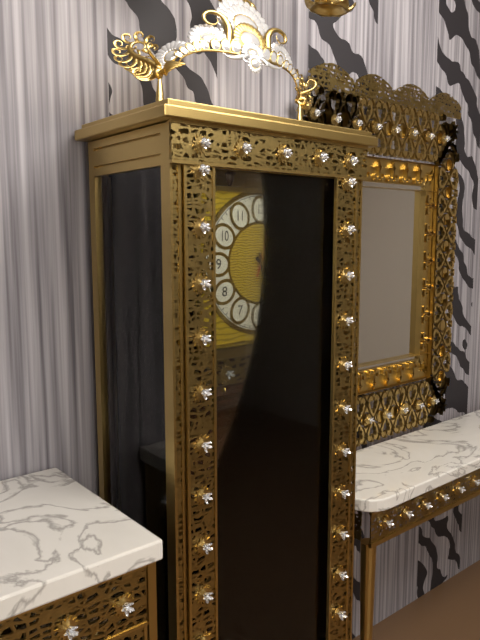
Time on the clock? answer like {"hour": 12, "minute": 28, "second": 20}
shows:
{"hour": 4, "minute": 29, "second": 4}
